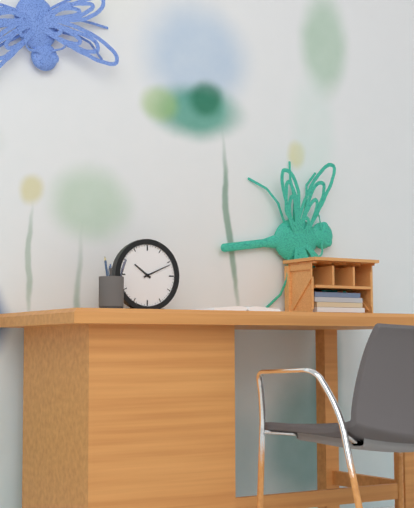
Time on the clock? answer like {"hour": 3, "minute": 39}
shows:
{"hour": 10, "minute": 11}
